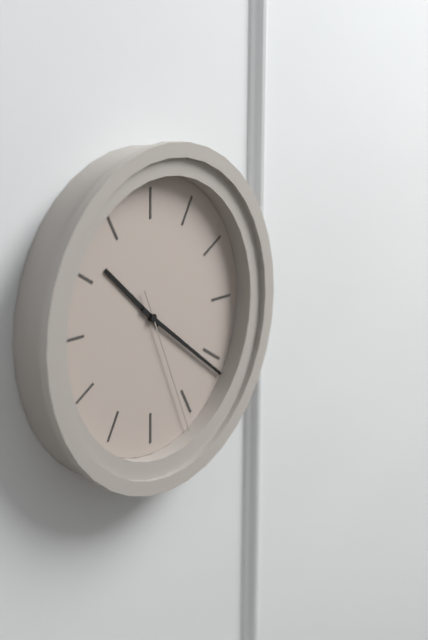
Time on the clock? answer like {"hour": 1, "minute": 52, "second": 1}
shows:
{"hour": 10, "minute": 21, "second": 26}
